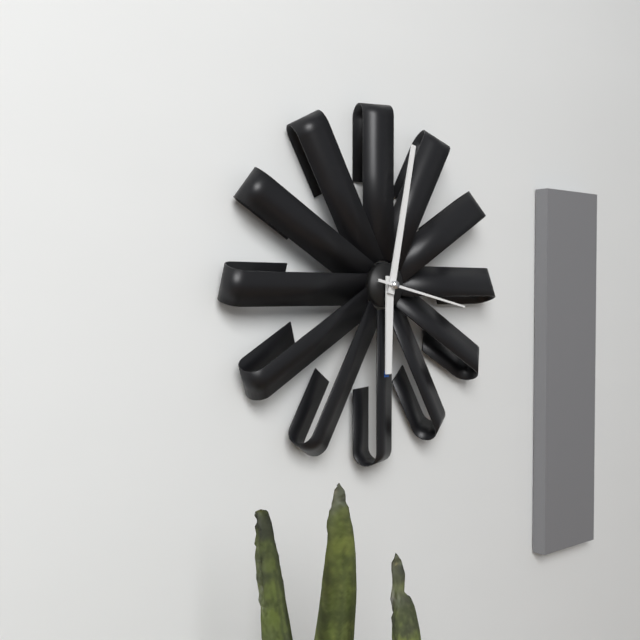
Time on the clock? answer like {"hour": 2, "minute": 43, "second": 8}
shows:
{"hour": 6, "minute": 2, "second": 17}
